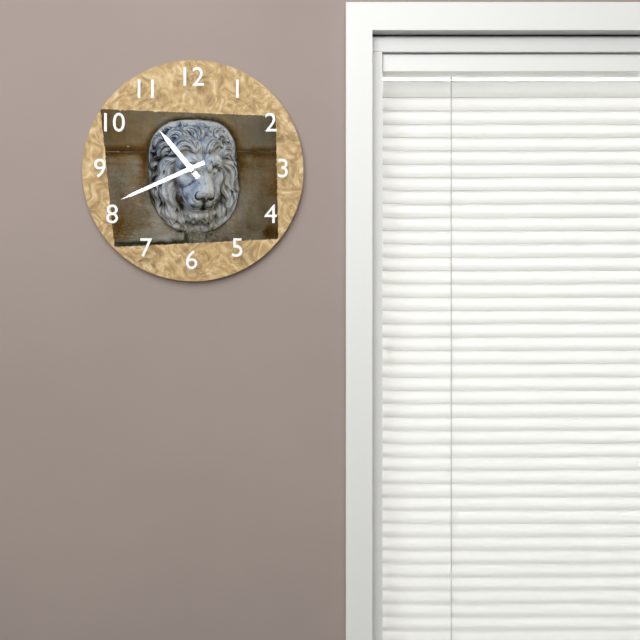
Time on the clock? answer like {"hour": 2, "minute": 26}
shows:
{"hour": 10, "minute": 41}
